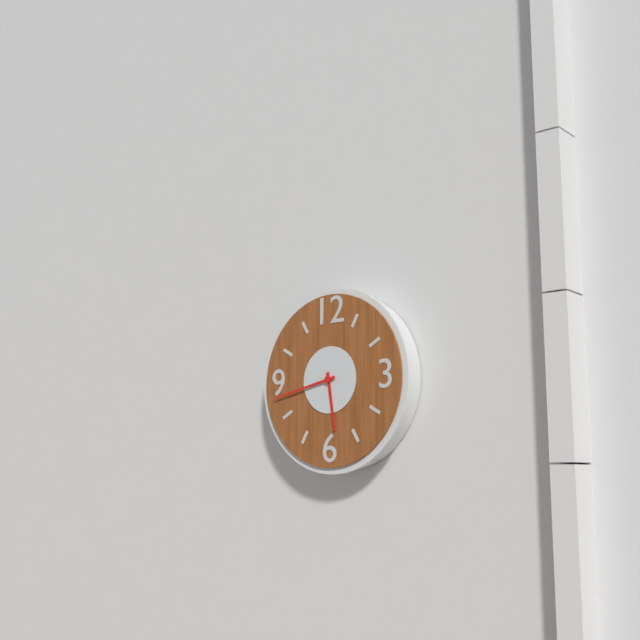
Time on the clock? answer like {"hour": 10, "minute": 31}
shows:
{"hour": 5, "minute": 43}
